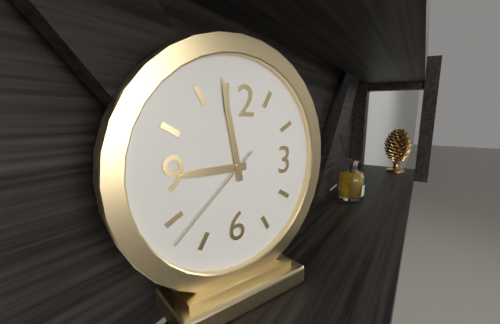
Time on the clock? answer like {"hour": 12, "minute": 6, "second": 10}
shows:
{"hour": 8, "minute": 58, "second": 38}
